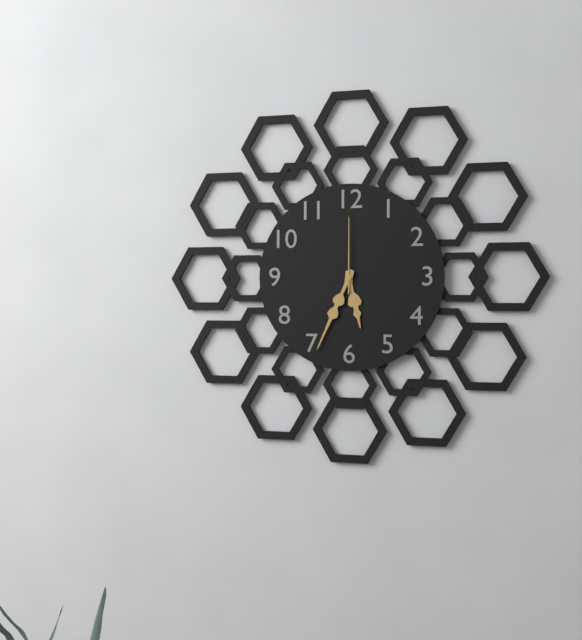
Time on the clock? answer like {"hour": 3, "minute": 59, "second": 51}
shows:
{"hour": 5, "minute": 34, "second": 0}
